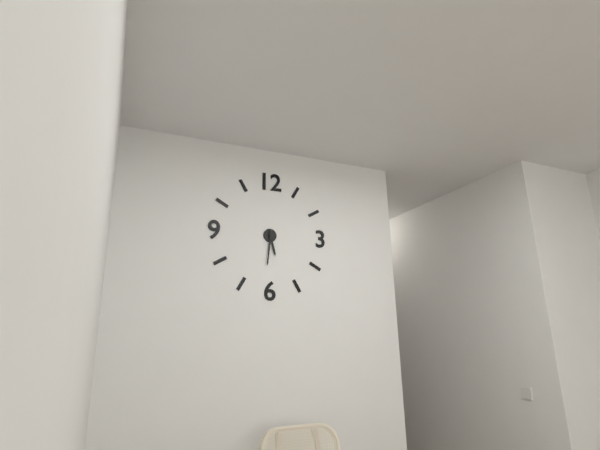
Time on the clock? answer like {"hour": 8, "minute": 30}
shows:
{"hour": 5, "minute": 31}
